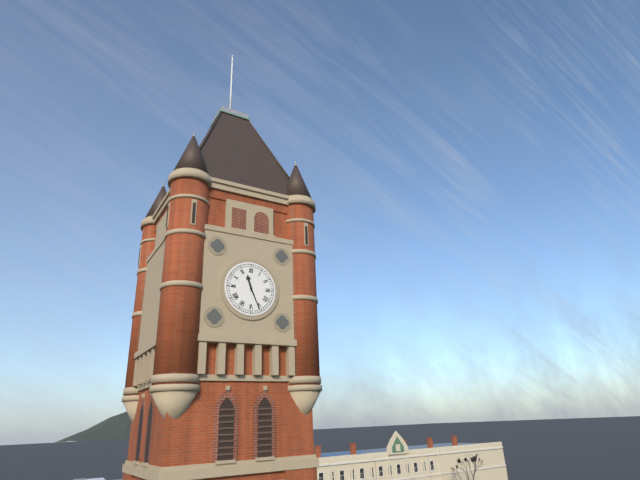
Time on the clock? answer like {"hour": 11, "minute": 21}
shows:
{"hour": 11, "minute": 26}
